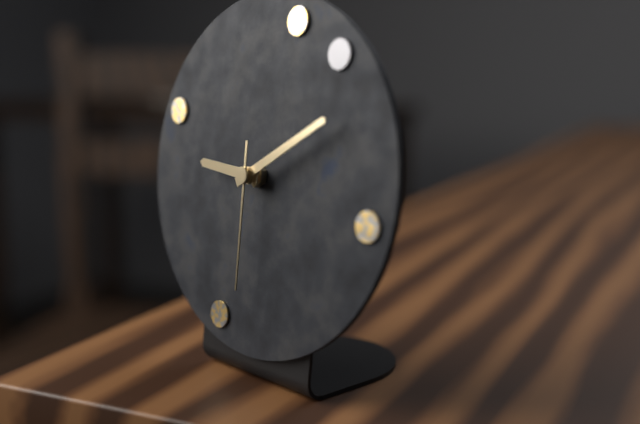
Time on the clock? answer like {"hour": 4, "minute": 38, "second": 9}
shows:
{"hour": 9, "minute": 10, "second": 30}
